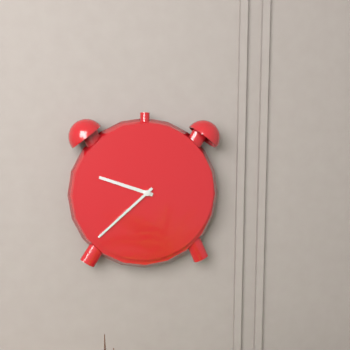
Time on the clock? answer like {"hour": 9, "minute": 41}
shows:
{"hour": 9, "minute": 38}
